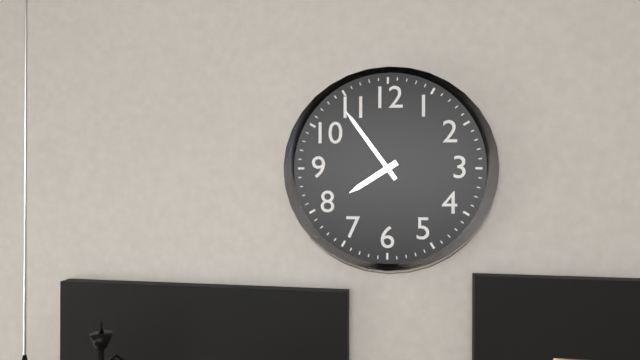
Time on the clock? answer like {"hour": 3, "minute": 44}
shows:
{"hour": 7, "minute": 54}
